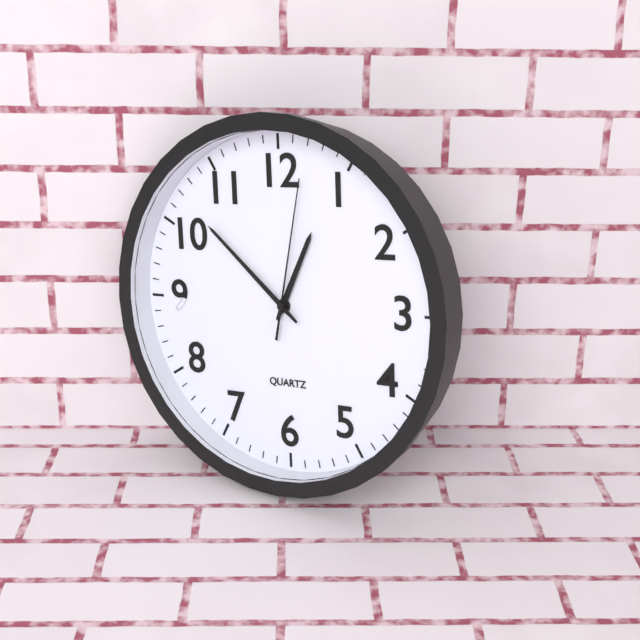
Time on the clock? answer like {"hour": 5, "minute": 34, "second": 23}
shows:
{"hour": 12, "minute": 52, "second": 2}
